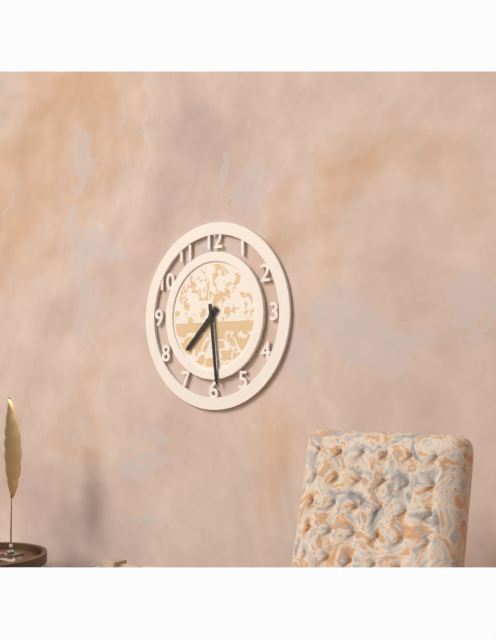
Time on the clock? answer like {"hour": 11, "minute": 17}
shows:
{"hour": 7, "minute": 29}
